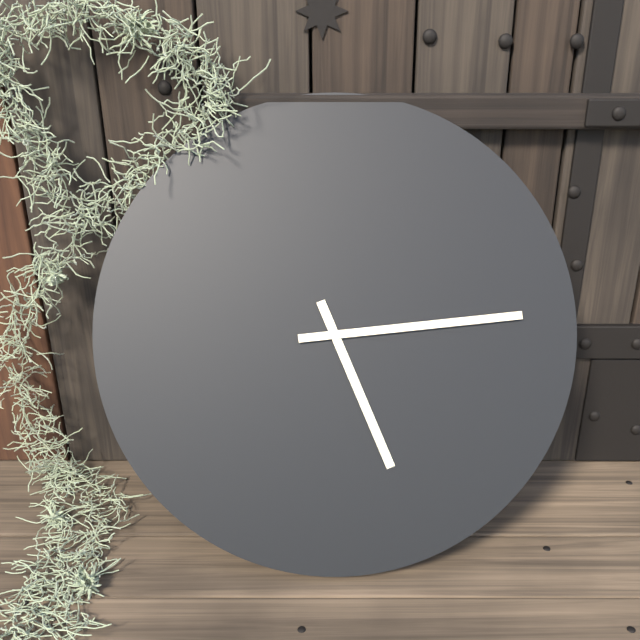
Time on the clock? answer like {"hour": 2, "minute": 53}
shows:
{"hour": 5, "minute": 14}
